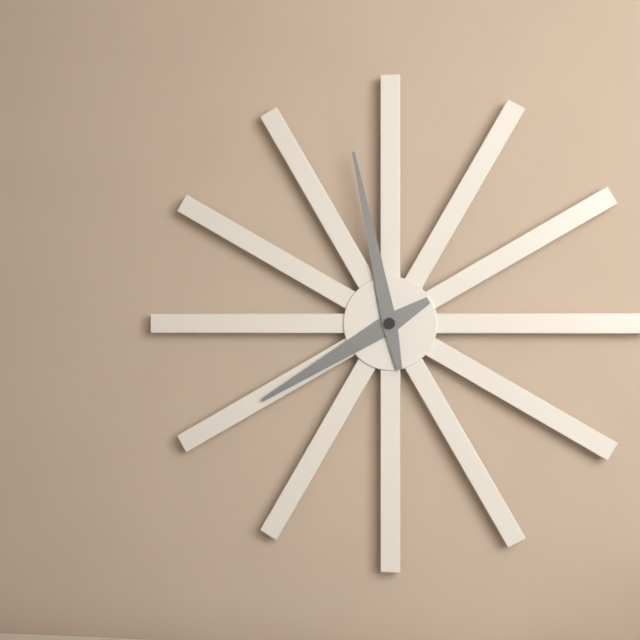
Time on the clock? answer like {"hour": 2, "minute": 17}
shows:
{"hour": 7, "minute": 58}
